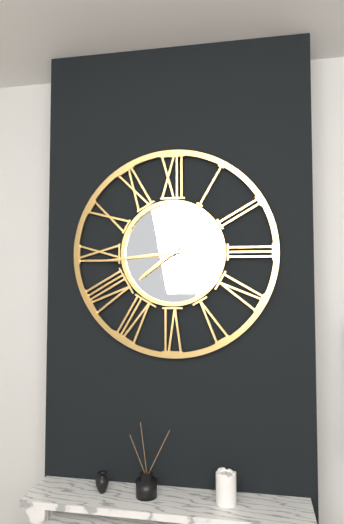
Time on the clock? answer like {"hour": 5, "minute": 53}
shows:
{"hour": 7, "minute": 44}
